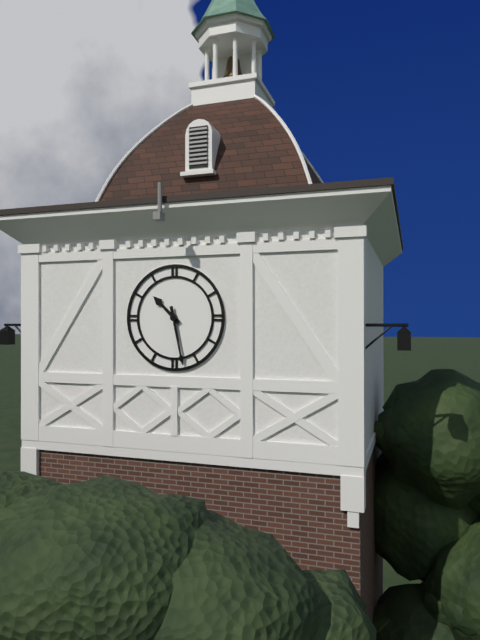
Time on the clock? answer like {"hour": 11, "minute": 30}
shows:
{"hour": 10, "minute": 28}
